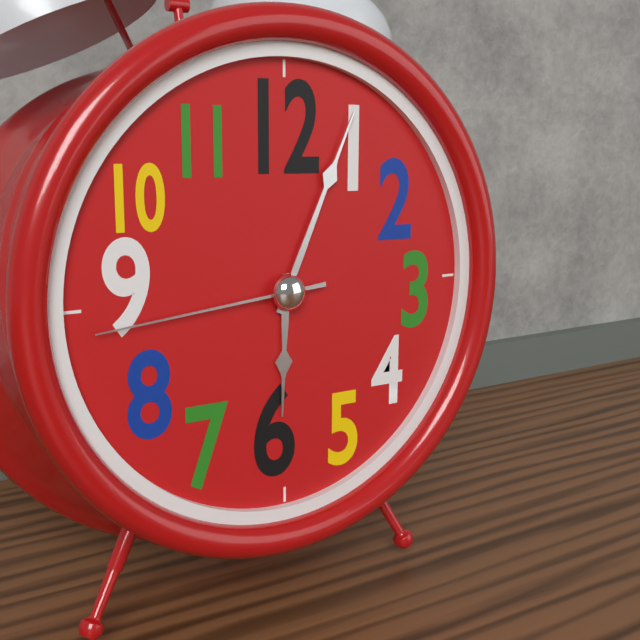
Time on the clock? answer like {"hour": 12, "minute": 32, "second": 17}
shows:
{"hour": 6, "minute": 4, "second": 44}
